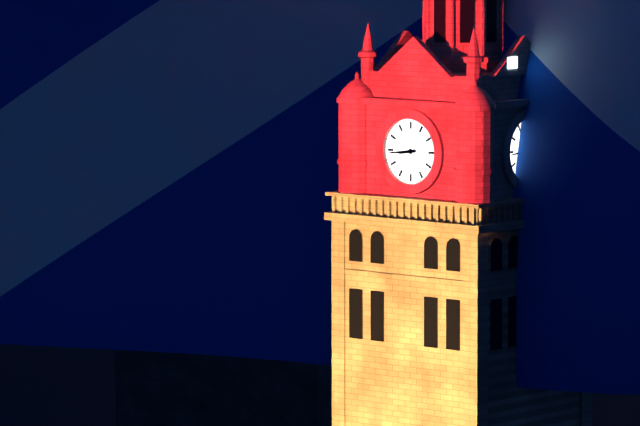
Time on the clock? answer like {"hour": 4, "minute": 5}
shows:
{"hour": 8, "minute": 44}
